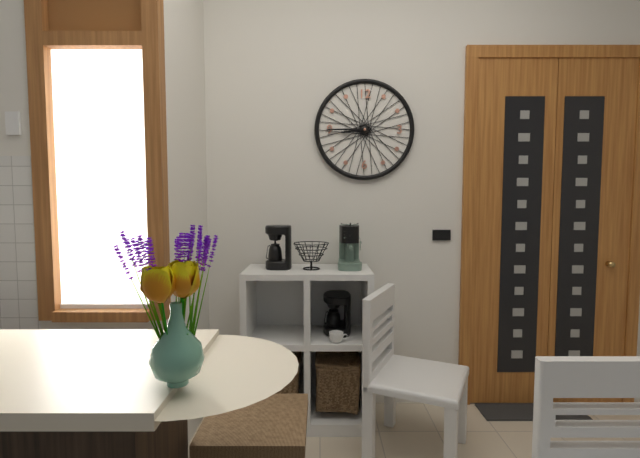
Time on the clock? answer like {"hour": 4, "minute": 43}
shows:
{"hour": 8, "minute": 45}
